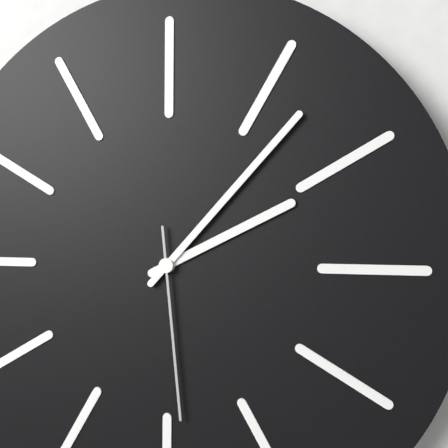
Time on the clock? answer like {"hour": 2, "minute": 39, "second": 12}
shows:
{"hour": 2, "minute": 7, "second": 29}
